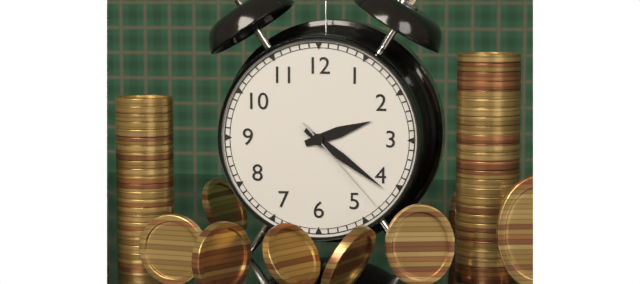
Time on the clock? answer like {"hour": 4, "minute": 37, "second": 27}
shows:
{"hour": 2, "minute": 21, "second": 23}
